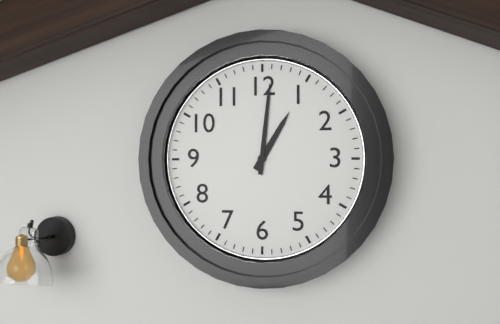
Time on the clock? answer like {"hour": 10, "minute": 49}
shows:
{"hour": 1, "minute": 1}
